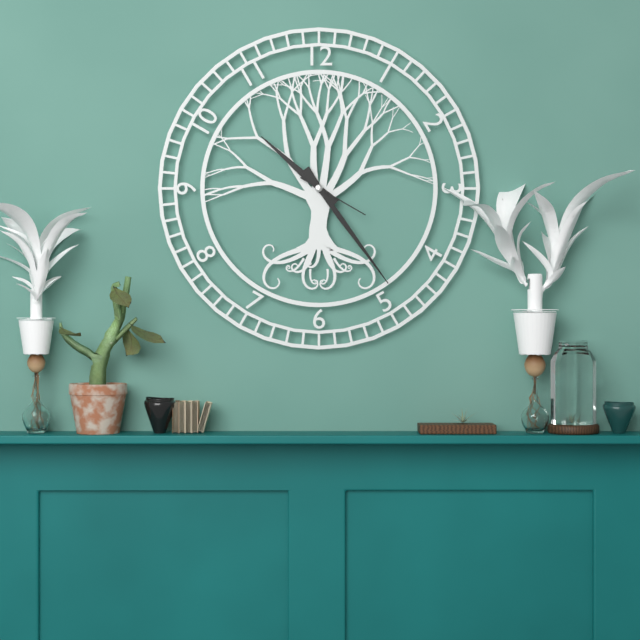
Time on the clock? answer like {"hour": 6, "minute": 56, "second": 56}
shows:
{"hour": 10, "minute": 24, "second": 20}
